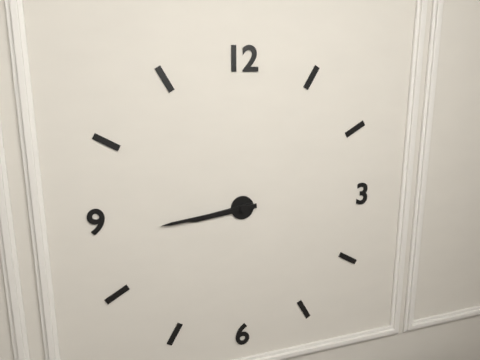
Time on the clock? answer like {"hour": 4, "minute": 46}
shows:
{"hour": 8, "minute": 44}
